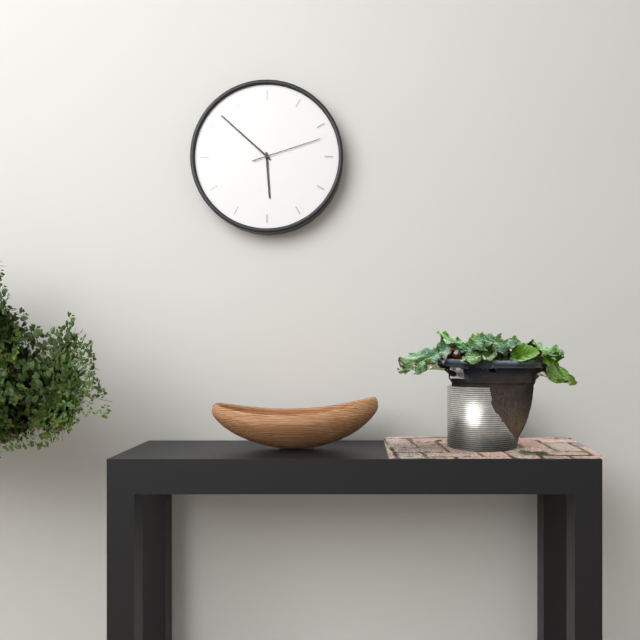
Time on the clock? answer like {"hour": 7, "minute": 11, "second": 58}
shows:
{"hour": 5, "minute": 52, "second": 12}
